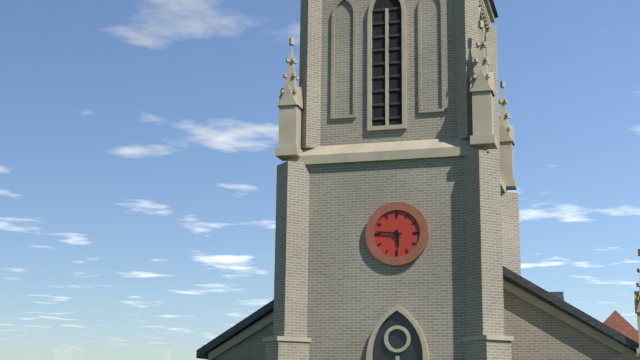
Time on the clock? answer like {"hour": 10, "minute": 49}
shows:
{"hour": 5, "minute": 46}
